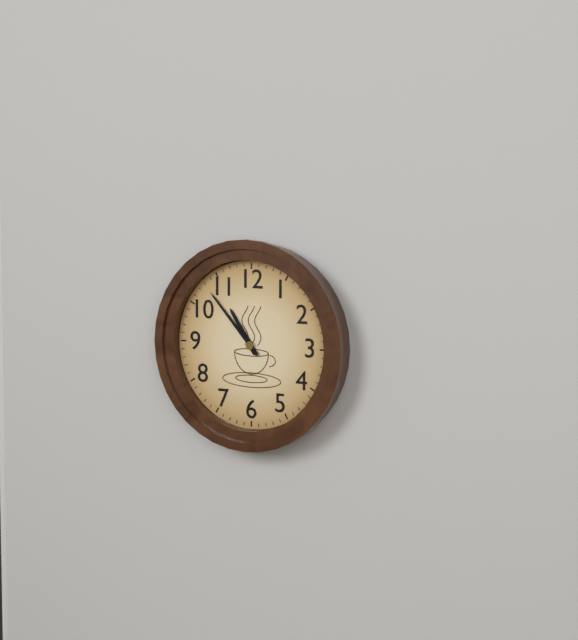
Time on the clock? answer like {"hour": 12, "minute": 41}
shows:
{"hour": 10, "minute": 53}
